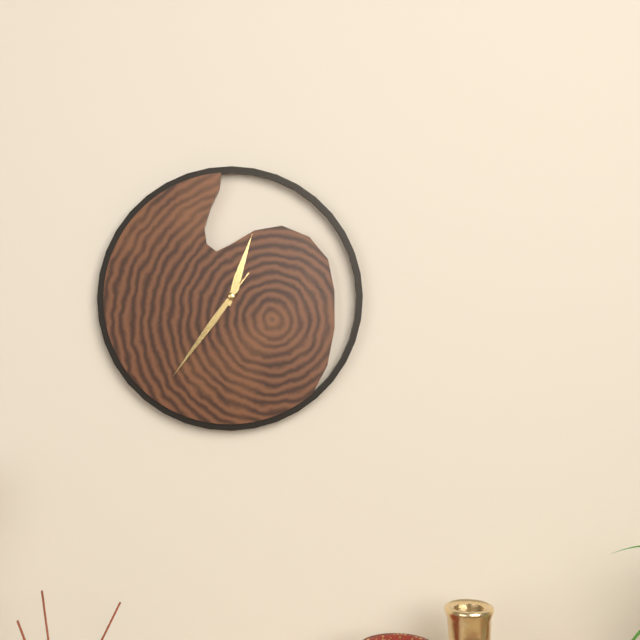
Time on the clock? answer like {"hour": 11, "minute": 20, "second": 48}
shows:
{"hour": 12, "minute": 36, "second": 36}
